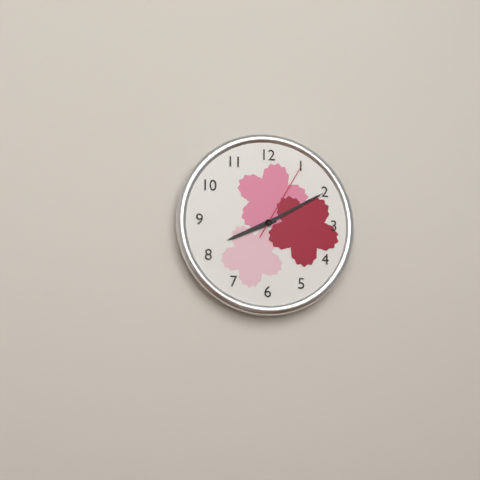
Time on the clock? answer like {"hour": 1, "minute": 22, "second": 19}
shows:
{"hour": 8, "minute": 10, "second": 5}
